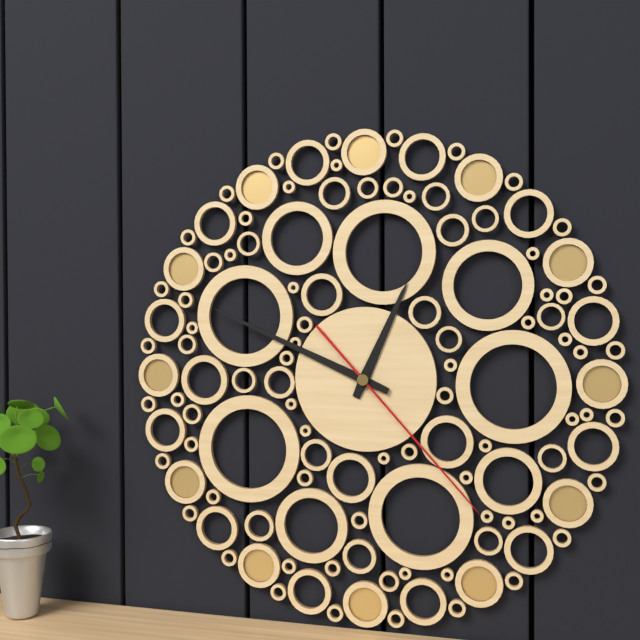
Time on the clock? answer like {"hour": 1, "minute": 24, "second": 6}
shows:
{"hour": 12, "minute": 49, "second": 23}
